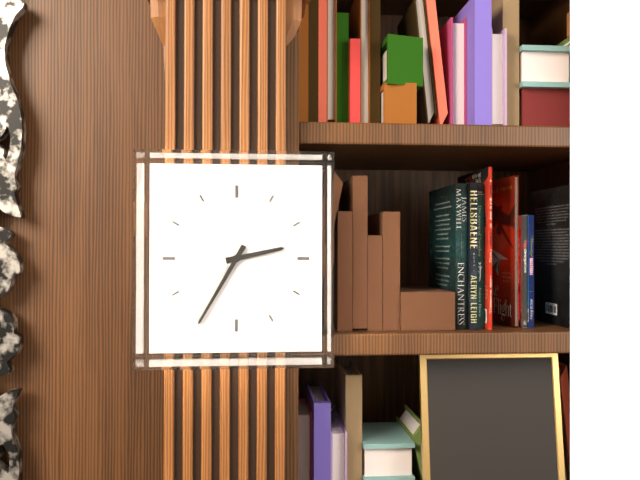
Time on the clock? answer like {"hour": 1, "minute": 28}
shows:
{"hour": 2, "minute": 35}
